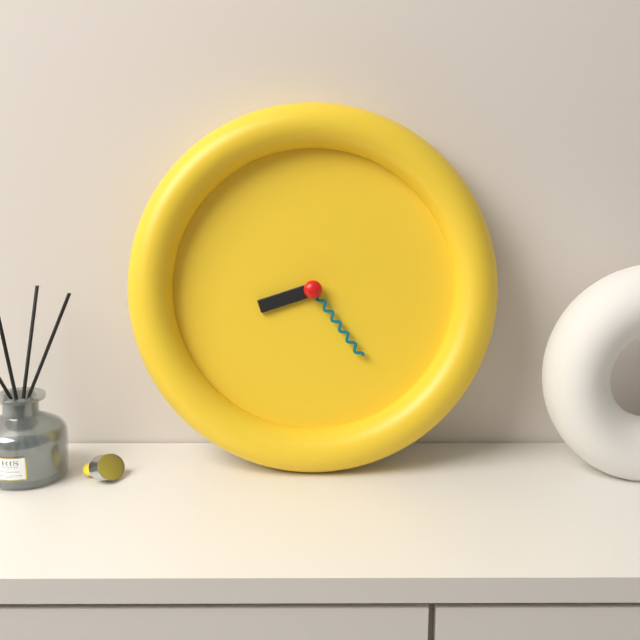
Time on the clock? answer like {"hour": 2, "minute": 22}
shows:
{"hour": 8, "minute": 24}
